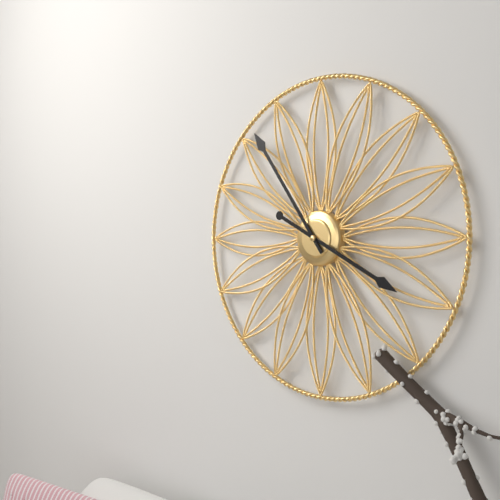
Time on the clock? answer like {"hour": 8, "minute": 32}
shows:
{"hour": 3, "minute": 54}
